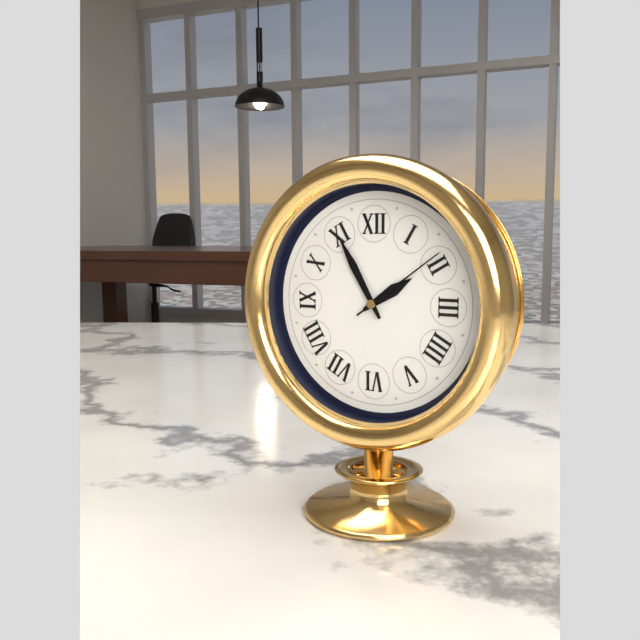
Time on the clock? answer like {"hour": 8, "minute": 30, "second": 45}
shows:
{"hour": 1, "minute": 55, "second": 9}
